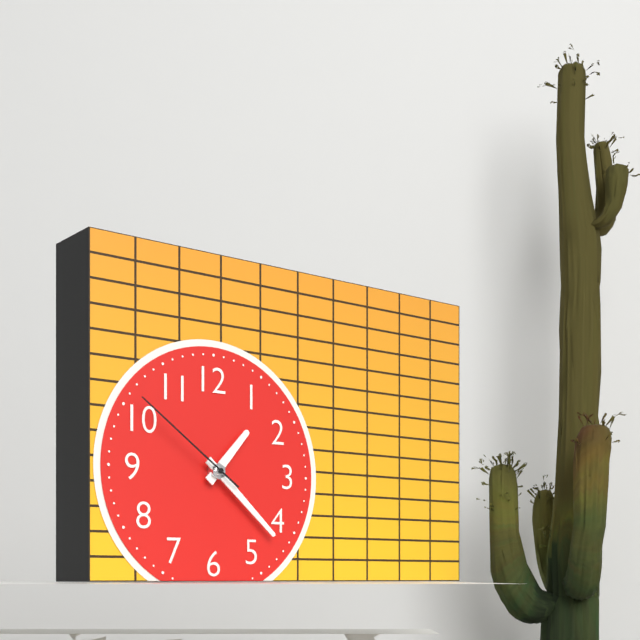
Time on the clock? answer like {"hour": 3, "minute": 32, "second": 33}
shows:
{"hour": 1, "minute": 22, "second": 51}
